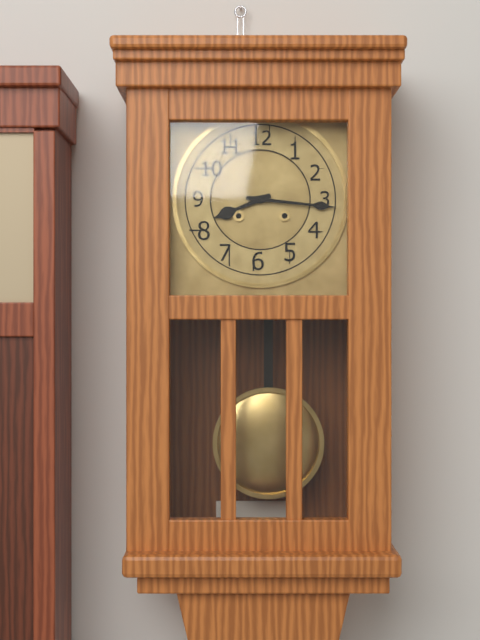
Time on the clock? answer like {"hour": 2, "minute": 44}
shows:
{"hour": 8, "minute": 16}
